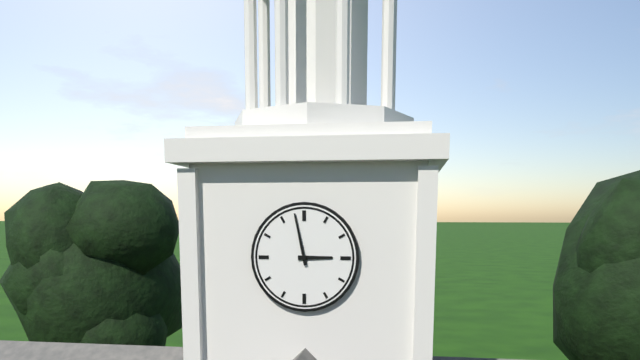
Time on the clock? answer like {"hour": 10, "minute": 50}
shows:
{"hour": 2, "minute": 58}
